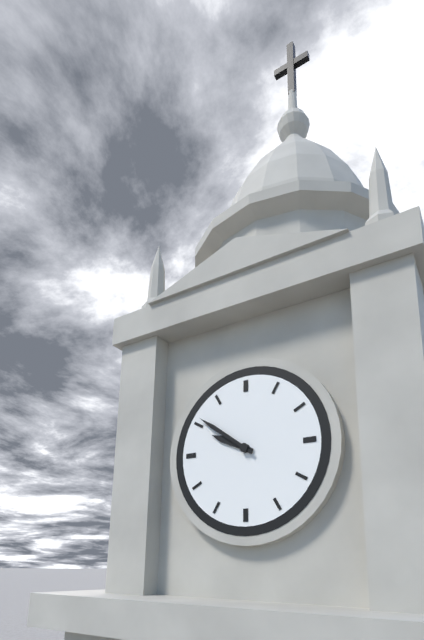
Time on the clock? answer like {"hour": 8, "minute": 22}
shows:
{"hour": 9, "minute": 51}
